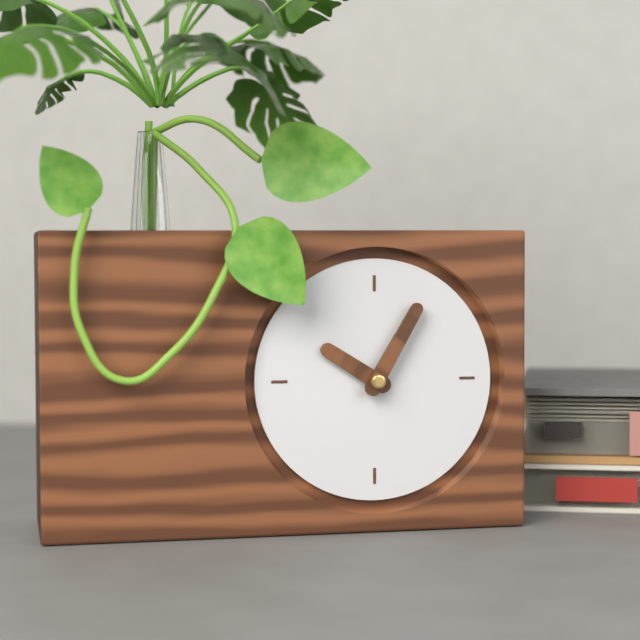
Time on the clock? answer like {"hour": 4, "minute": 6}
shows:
{"hour": 10, "minute": 5}
